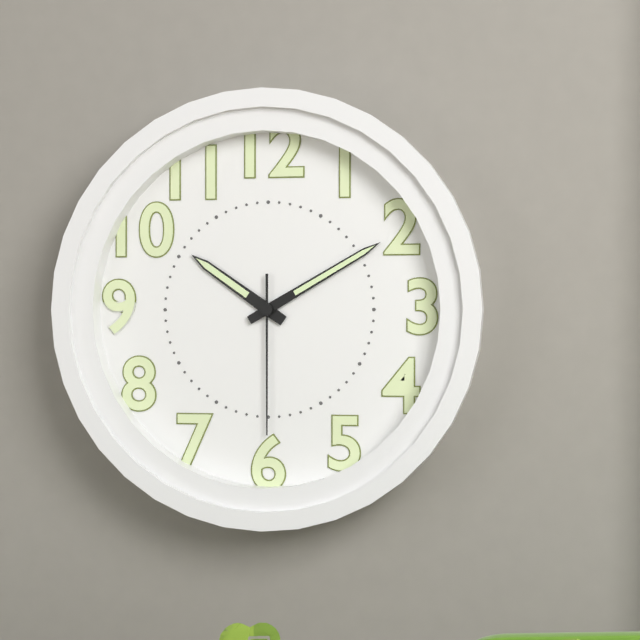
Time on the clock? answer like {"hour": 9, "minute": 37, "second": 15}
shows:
{"hour": 10, "minute": 10, "second": 30}
